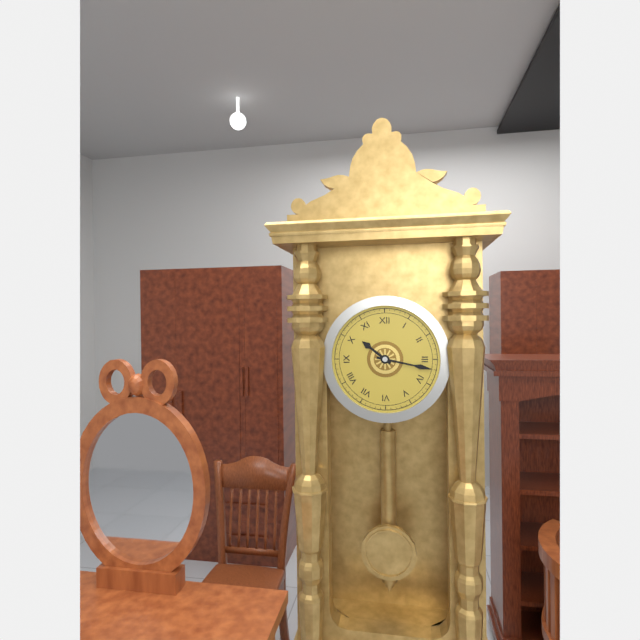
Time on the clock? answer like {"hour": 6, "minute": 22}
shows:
{"hour": 10, "minute": 17}
